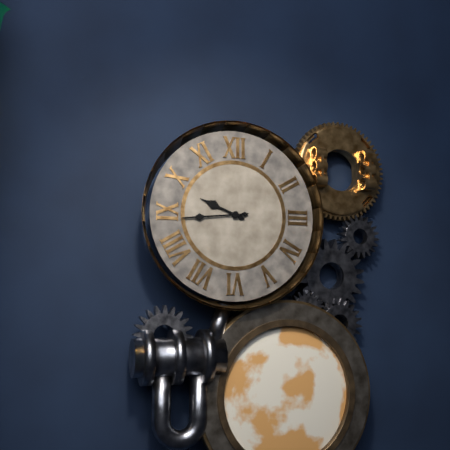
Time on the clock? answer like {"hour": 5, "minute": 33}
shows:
{"hour": 9, "minute": 44}
